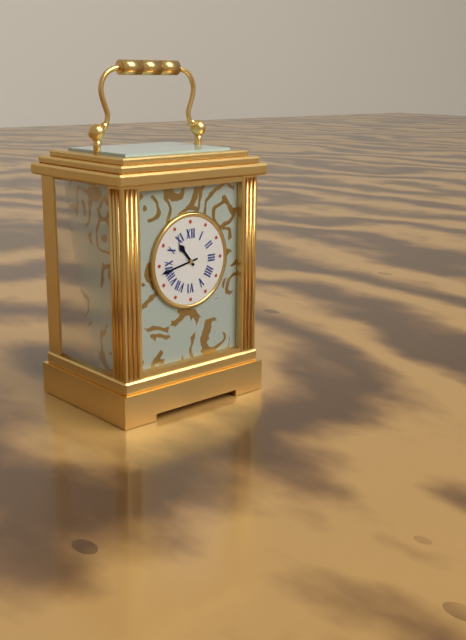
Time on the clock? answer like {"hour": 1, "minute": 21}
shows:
{"hour": 10, "minute": 43}
